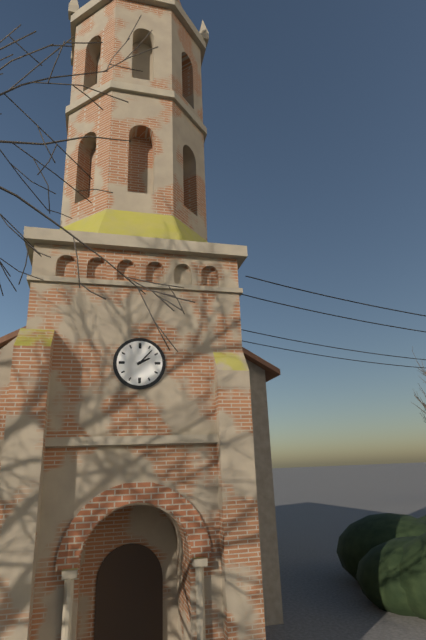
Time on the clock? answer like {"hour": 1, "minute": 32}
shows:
{"hour": 2, "minute": 7}
